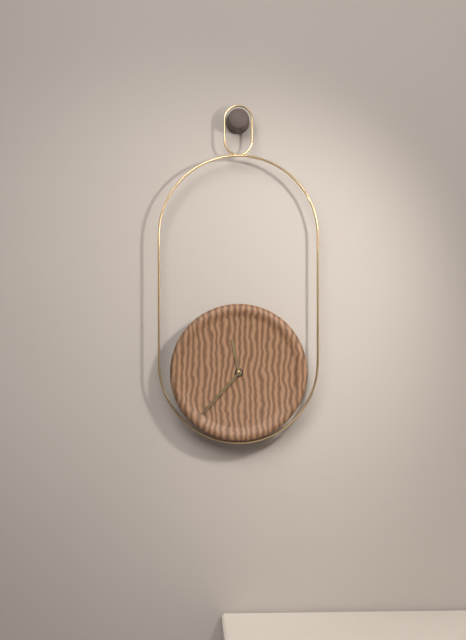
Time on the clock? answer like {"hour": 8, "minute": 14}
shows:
{"hour": 11, "minute": 37}
